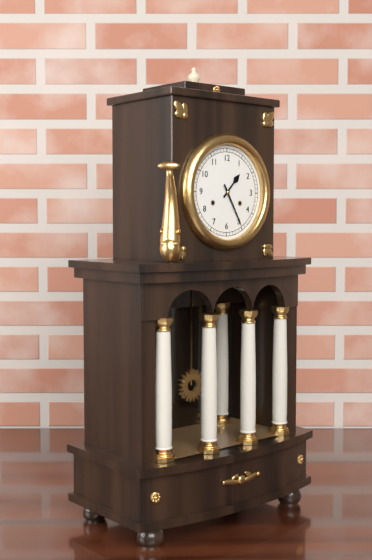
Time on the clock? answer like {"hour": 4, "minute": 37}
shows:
{"hour": 1, "minute": 25}
